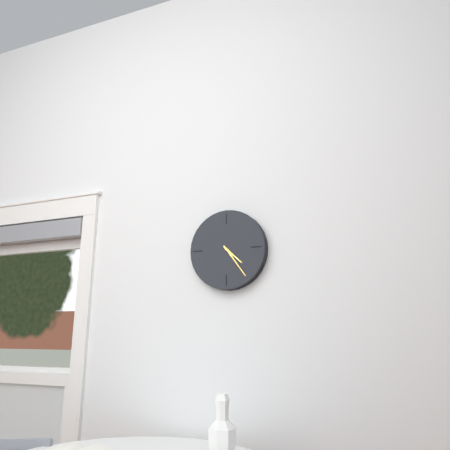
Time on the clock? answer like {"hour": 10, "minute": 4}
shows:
{"hour": 4, "minute": 24}
